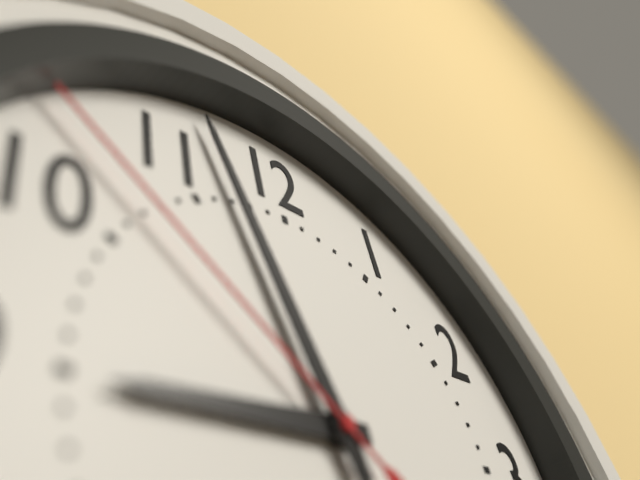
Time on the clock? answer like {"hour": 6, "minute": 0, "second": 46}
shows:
{"hour": 8, "minute": 57, "second": 52}
